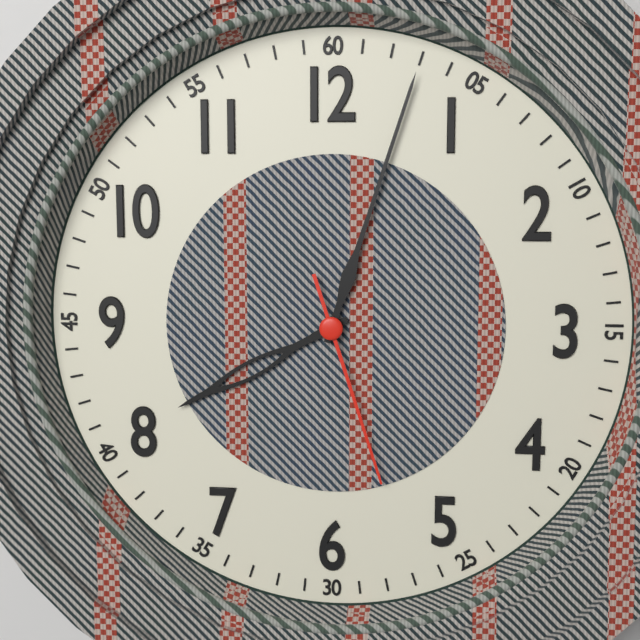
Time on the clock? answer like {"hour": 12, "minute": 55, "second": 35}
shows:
{"hour": 8, "minute": 3, "second": 27}
